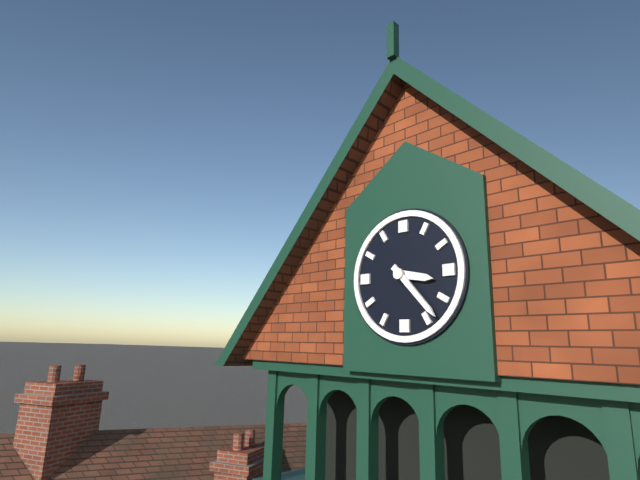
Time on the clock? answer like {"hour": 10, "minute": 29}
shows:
{"hour": 3, "minute": 23}
